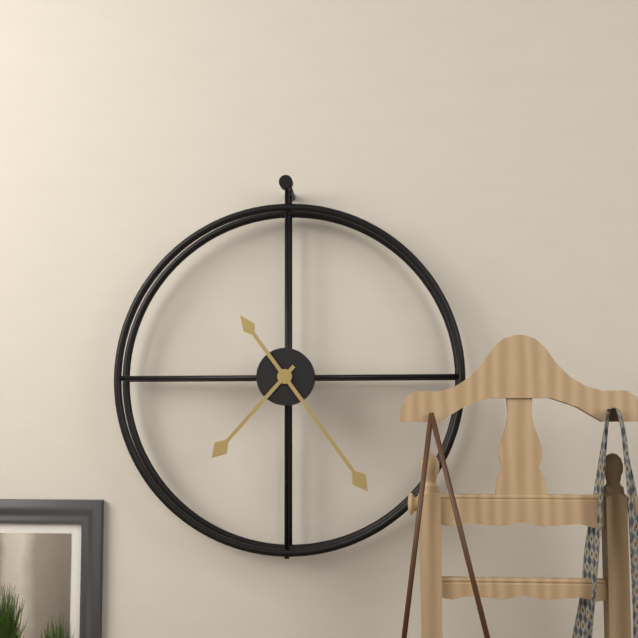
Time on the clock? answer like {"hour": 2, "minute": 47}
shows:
{"hour": 7, "minute": 24}
